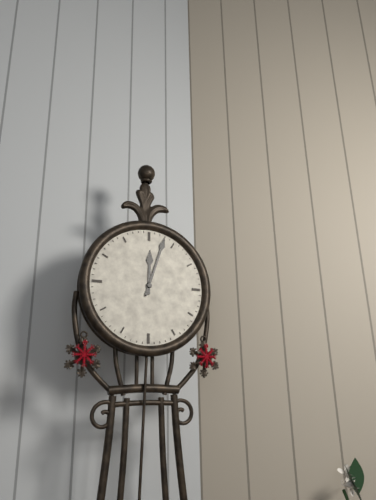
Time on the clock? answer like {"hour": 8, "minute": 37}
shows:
{"hour": 12, "minute": 3}
